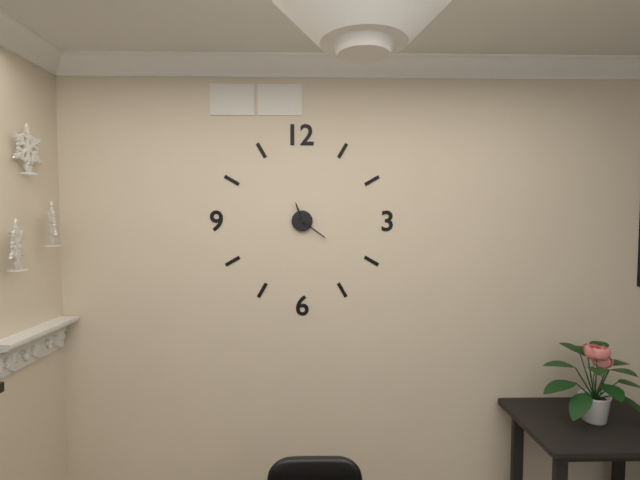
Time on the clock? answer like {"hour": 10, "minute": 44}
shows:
{"hour": 11, "minute": 21}
